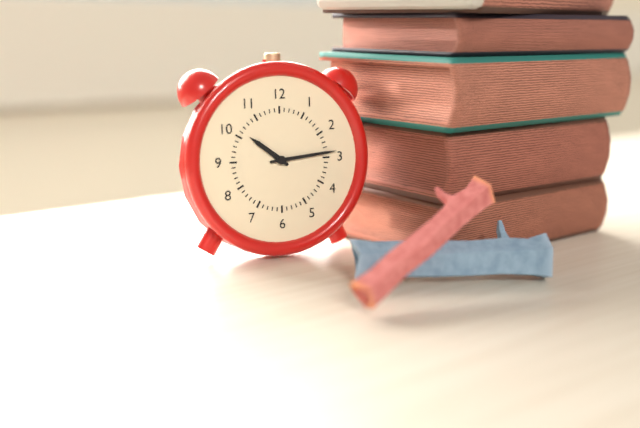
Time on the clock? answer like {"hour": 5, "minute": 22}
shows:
{"hour": 10, "minute": 14}
